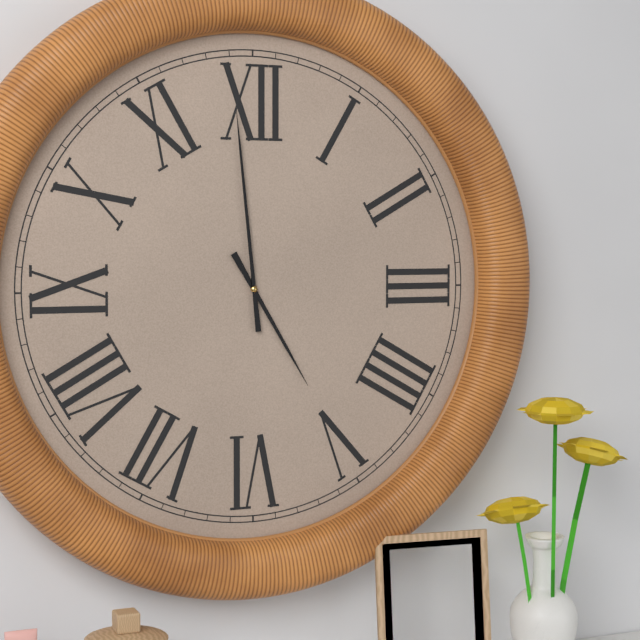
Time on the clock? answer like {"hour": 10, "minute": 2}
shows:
{"hour": 4, "minute": 59}
